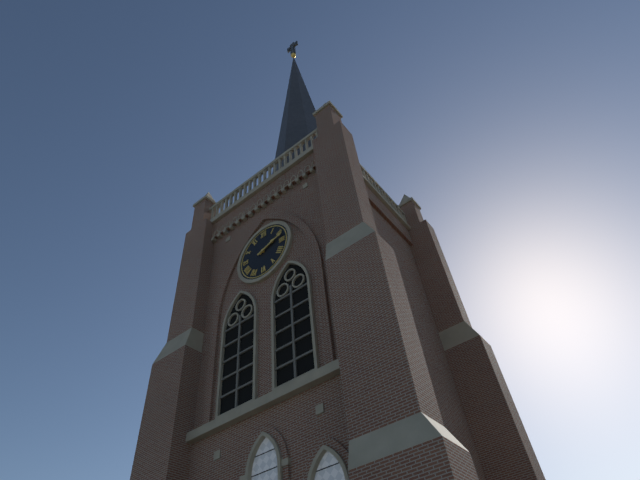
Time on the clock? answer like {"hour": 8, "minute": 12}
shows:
{"hour": 2, "minute": 12}
